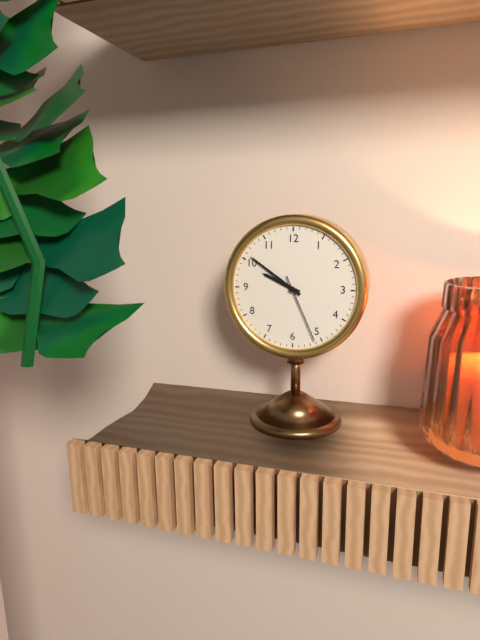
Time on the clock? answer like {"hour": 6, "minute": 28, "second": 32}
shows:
{"hour": 9, "minute": 51, "second": 26}
